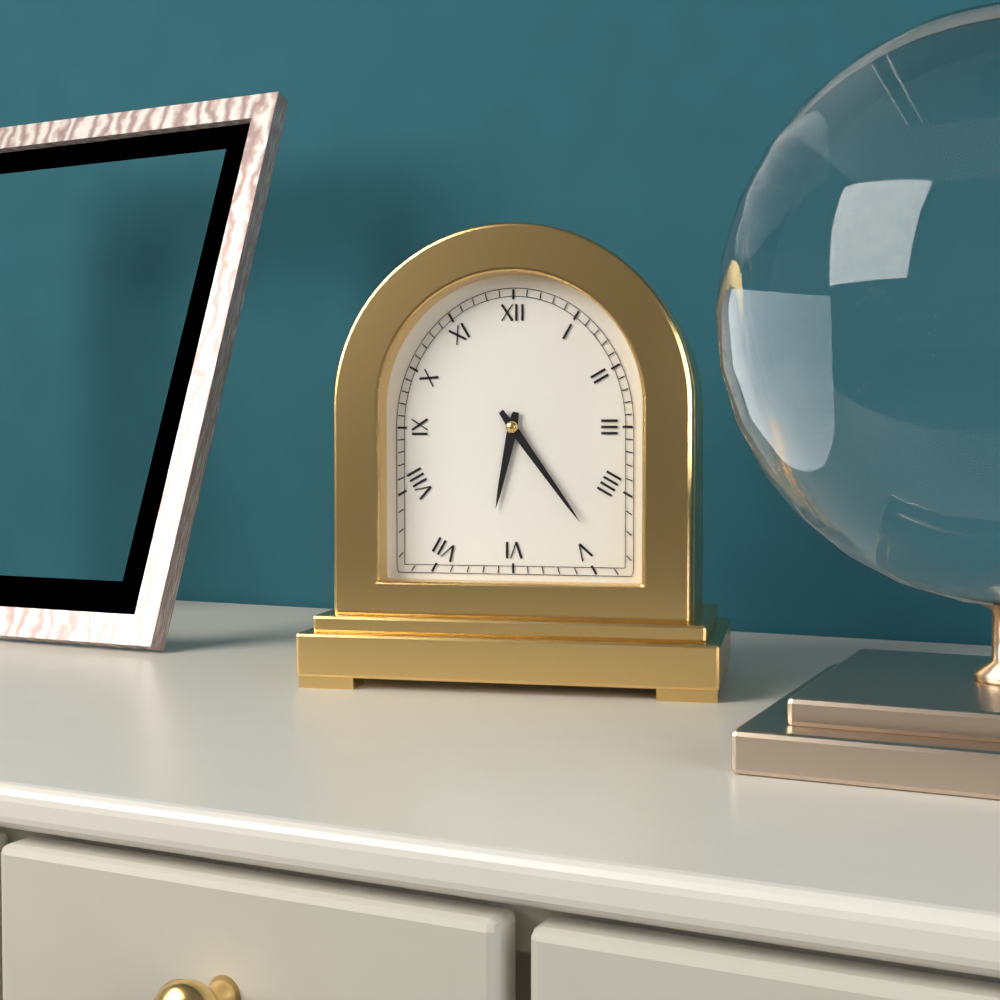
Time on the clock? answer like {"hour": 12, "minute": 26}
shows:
{"hour": 6, "minute": 24}
